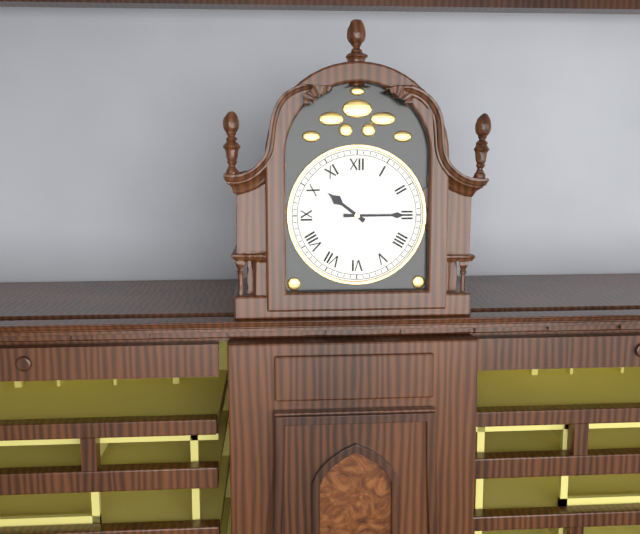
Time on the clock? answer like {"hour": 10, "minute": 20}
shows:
{"hour": 10, "minute": 15}
